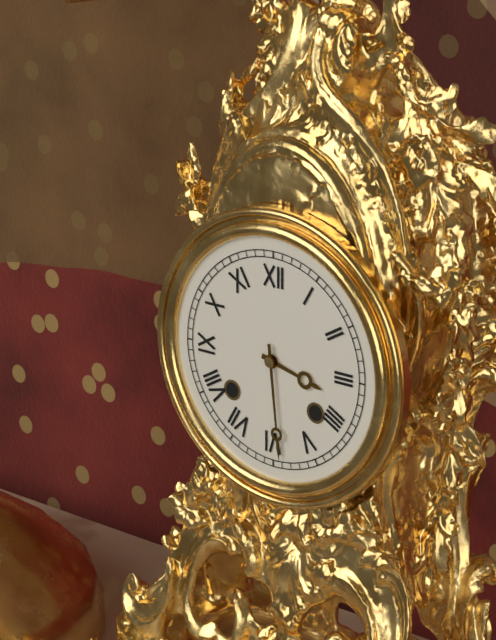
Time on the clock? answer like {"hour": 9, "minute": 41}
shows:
{"hour": 3, "minute": 29}
